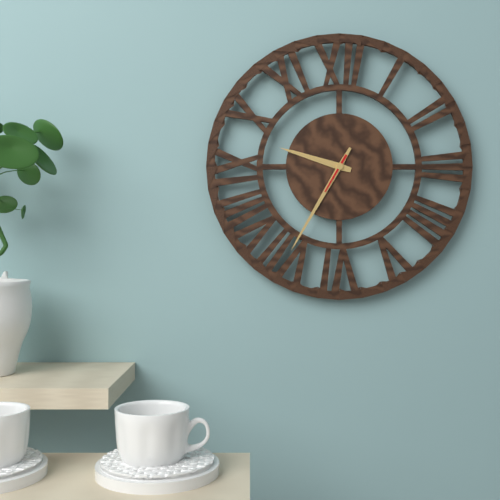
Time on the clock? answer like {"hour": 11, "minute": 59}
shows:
{"hour": 9, "minute": 35}
